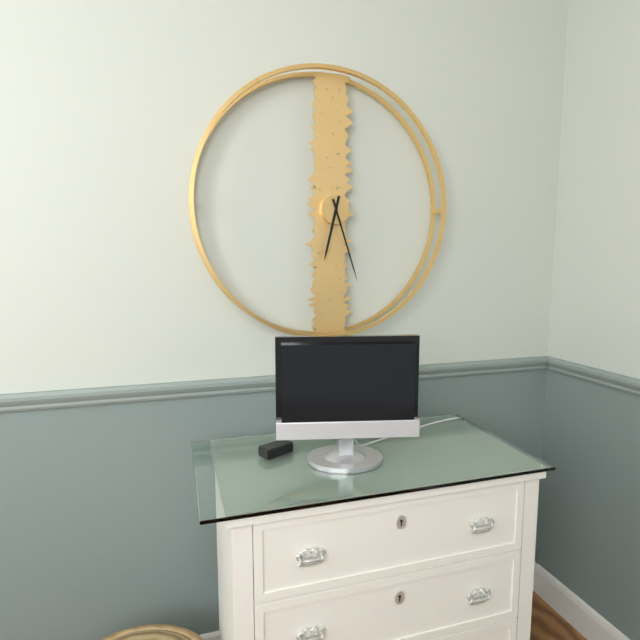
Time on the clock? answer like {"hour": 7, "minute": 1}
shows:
{"hour": 6, "minute": 27}
